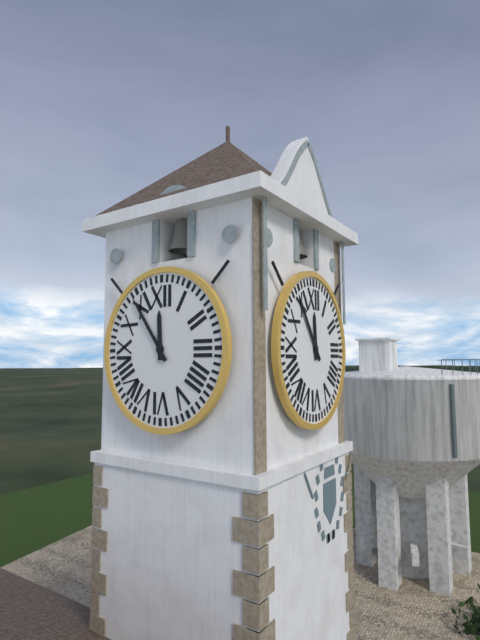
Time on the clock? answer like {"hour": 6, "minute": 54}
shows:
{"hour": 11, "minute": 54}
